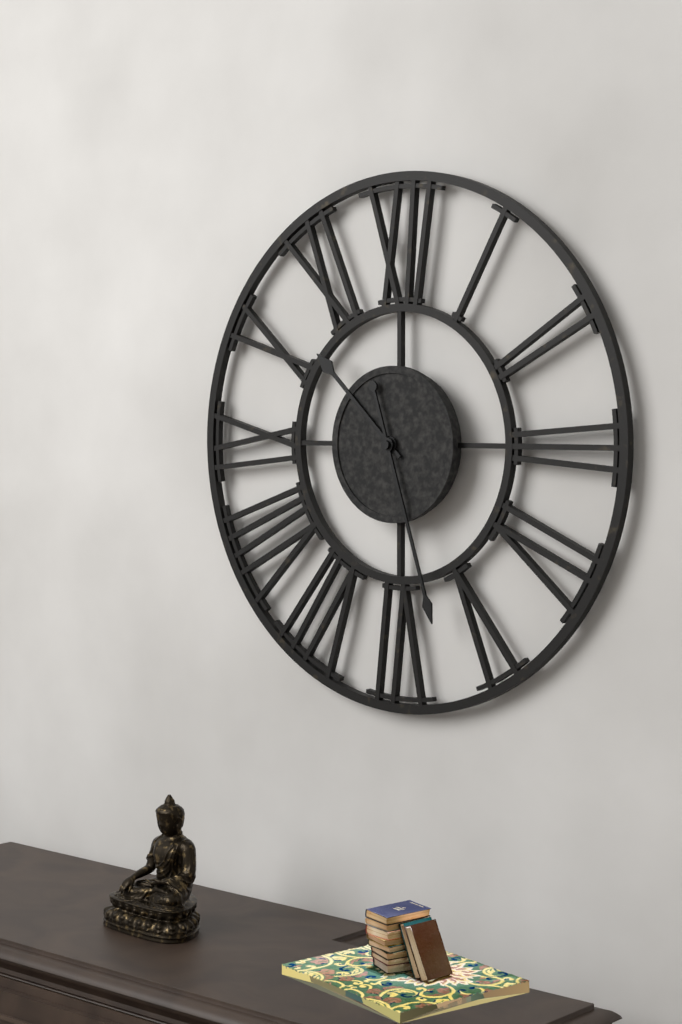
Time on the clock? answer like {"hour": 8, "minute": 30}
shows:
{"hour": 10, "minute": 27}
